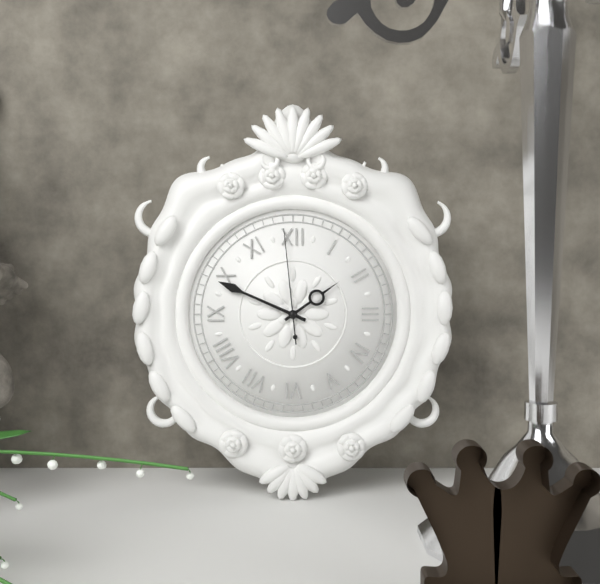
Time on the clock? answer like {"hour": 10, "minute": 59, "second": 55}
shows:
{"hour": 1, "minute": 49, "second": 59}
